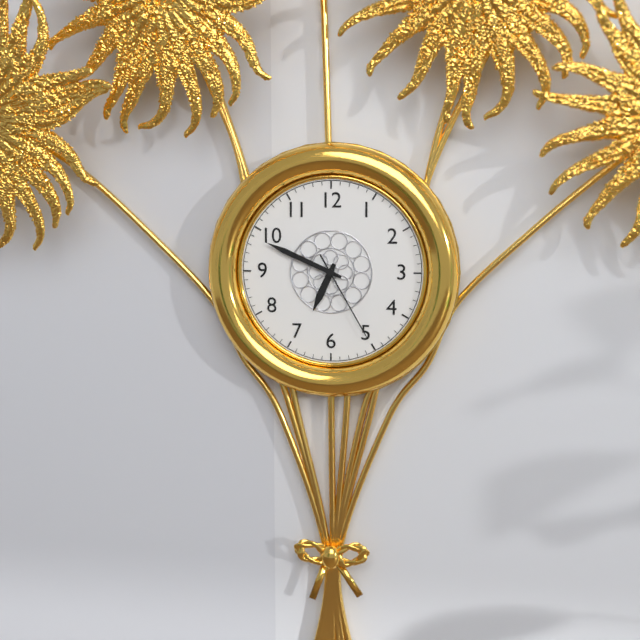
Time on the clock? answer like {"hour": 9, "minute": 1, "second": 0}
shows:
{"hour": 6, "minute": 49, "second": 25}
